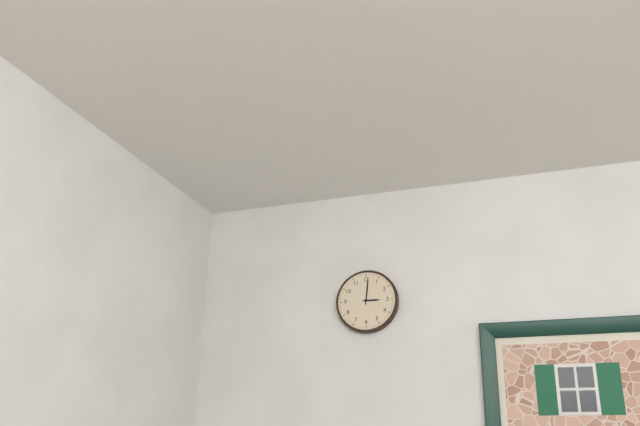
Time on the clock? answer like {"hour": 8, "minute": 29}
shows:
{"hour": 3, "minute": 1}
